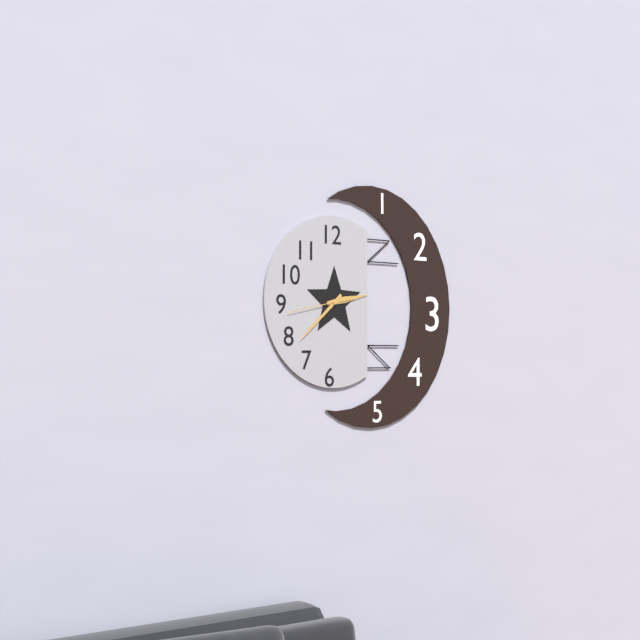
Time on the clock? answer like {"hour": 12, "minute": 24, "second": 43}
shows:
{"hour": 2, "minute": 38, "second": 43}
